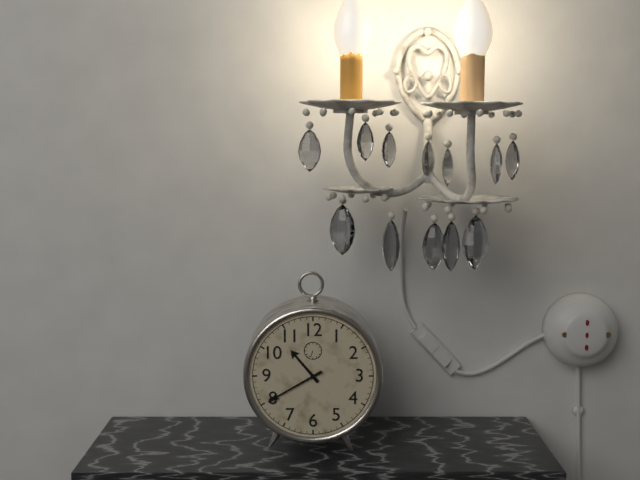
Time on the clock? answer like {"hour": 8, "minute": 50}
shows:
{"hour": 10, "minute": 40}
